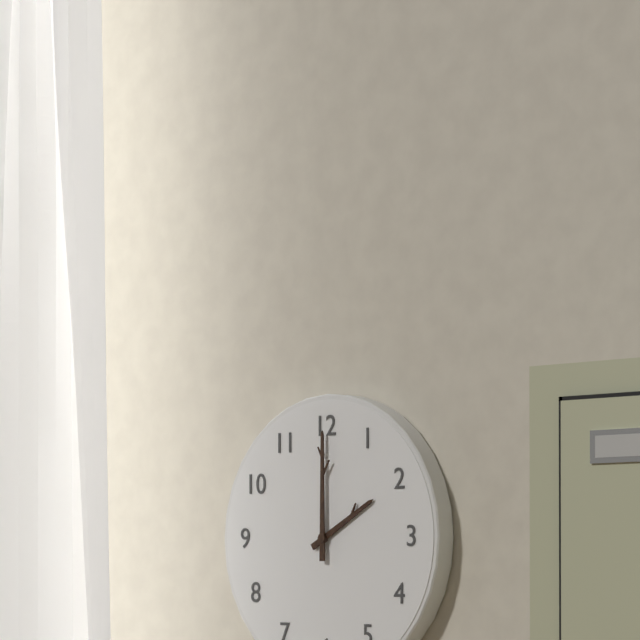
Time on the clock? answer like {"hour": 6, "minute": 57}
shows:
{"hour": 2, "minute": 0}
